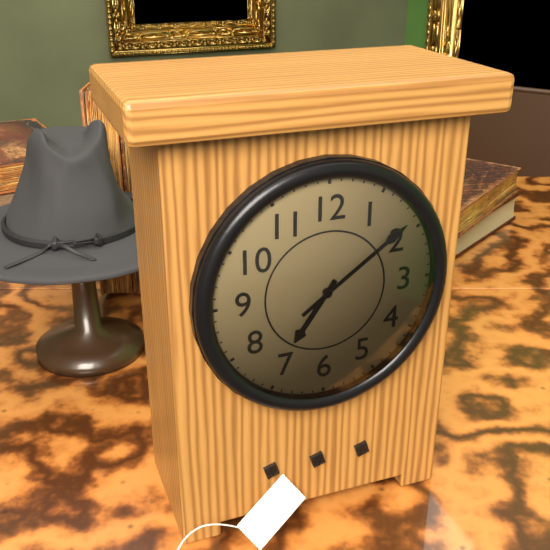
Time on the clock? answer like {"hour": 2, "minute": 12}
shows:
{"hour": 7, "minute": 9}
